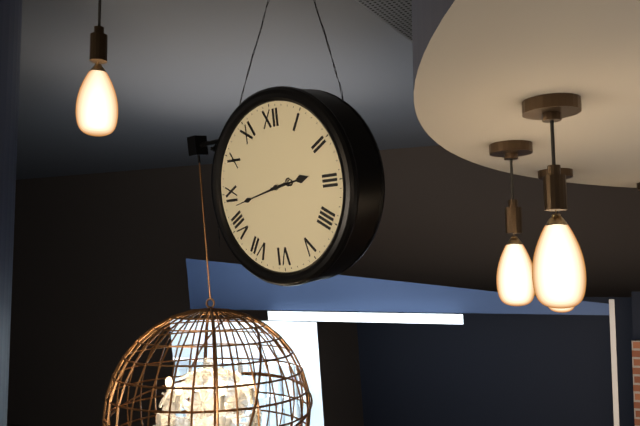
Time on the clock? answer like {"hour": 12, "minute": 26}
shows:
{"hour": 2, "minute": 43}
